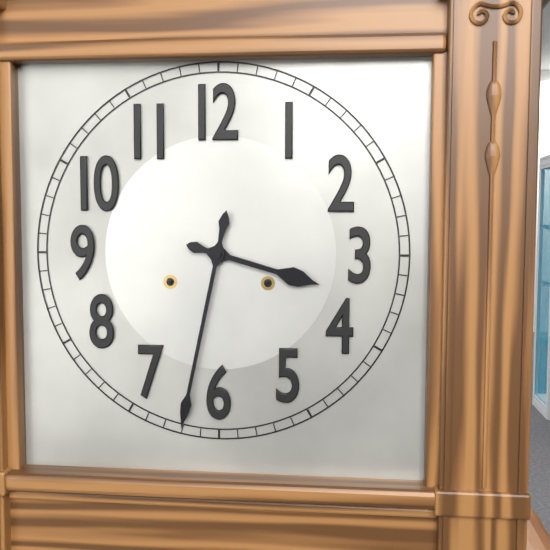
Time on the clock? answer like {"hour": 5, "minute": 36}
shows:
{"hour": 3, "minute": 32}
